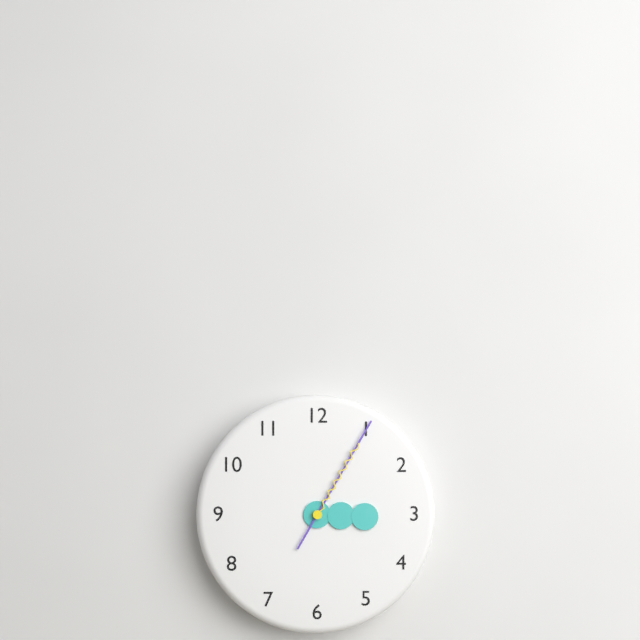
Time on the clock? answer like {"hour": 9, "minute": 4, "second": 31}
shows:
{"hour": 3, "minute": 5, "second": 5}
